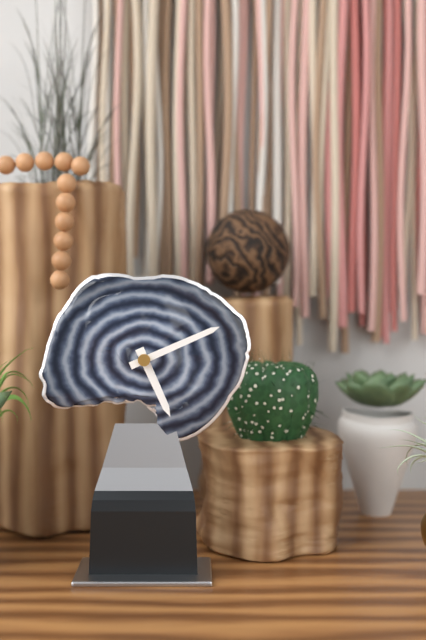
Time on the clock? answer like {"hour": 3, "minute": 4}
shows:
{"hour": 5, "minute": 11}
